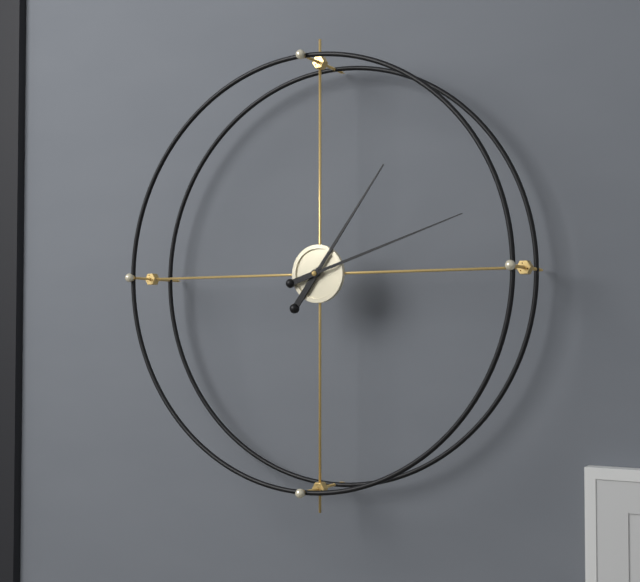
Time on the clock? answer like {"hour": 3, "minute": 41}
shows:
{"hour": 1, "minute": 12}
